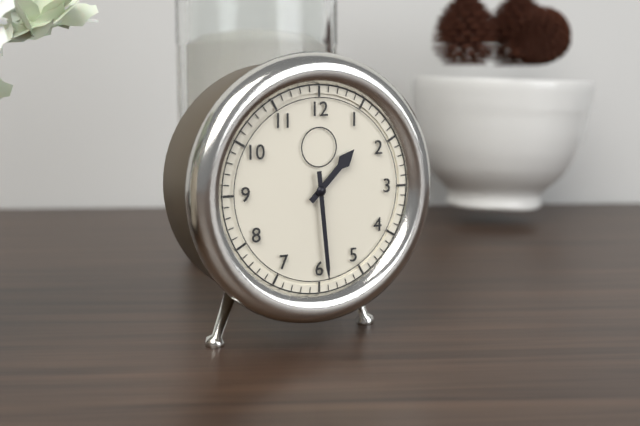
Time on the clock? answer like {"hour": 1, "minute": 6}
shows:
{"hour": 1, "minute": 29}
